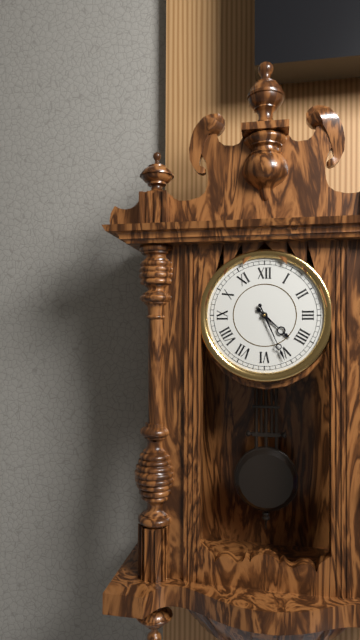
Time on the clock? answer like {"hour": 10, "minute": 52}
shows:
{"hour": 4, "minute": 26}
